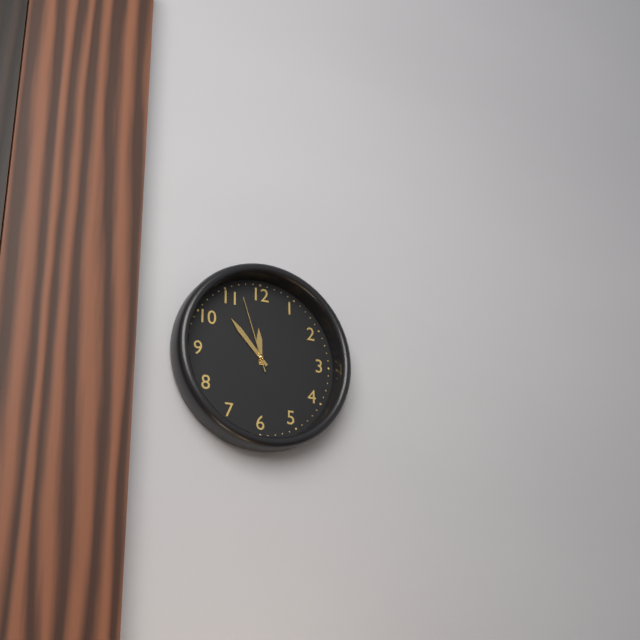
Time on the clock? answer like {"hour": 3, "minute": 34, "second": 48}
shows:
{"hour": 11, "minute": 53, "second": 57}
